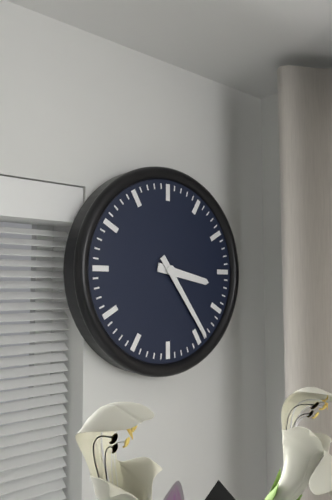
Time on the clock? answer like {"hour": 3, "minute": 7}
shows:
{"hour": 3, "minute": 24}
